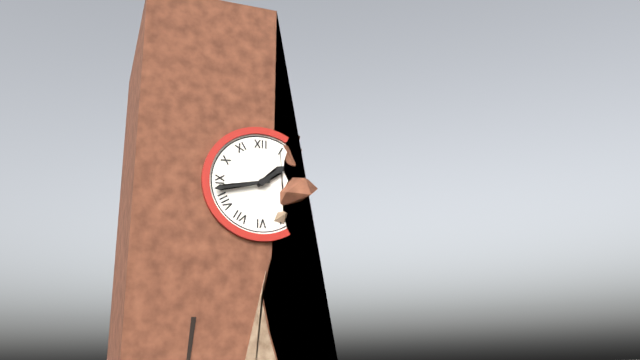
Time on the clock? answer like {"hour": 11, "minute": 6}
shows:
{"hour": 1, "minute": 43}
